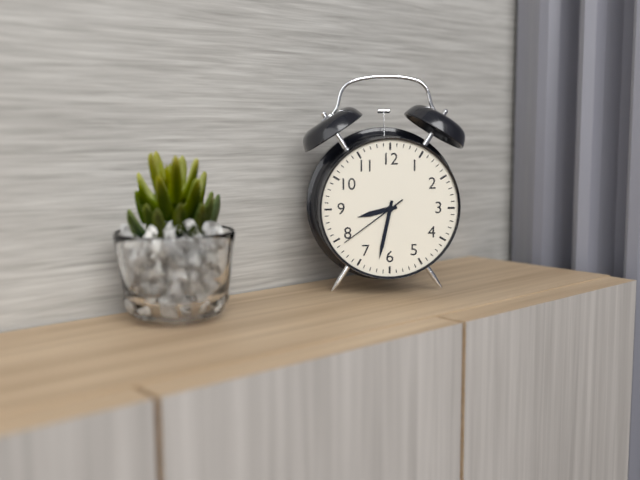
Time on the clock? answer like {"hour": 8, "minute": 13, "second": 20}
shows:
{"hour": 8, "minute": 32, "second": 39}
